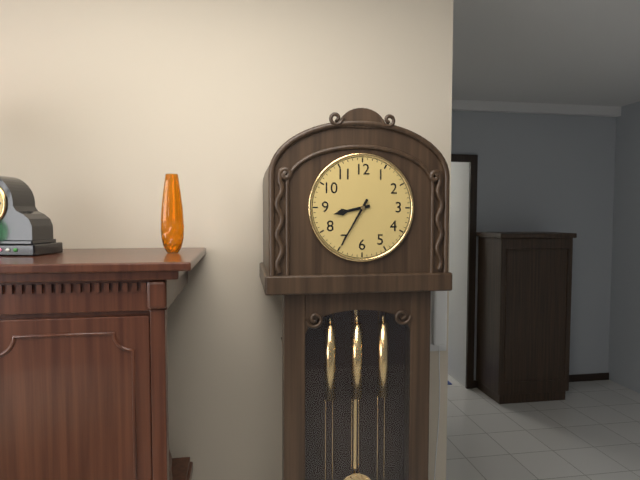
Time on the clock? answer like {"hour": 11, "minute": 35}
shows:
{"hour": 8, "minute": 35}
